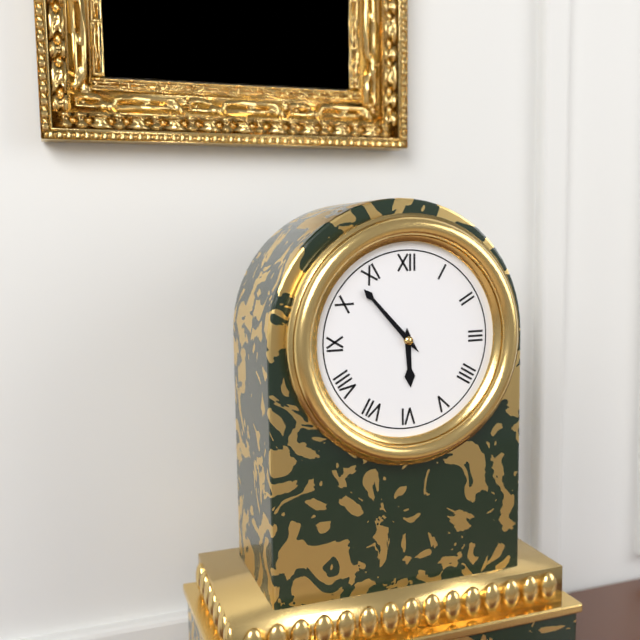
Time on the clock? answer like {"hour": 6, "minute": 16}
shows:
{"hour": 5, "minute": 53}
